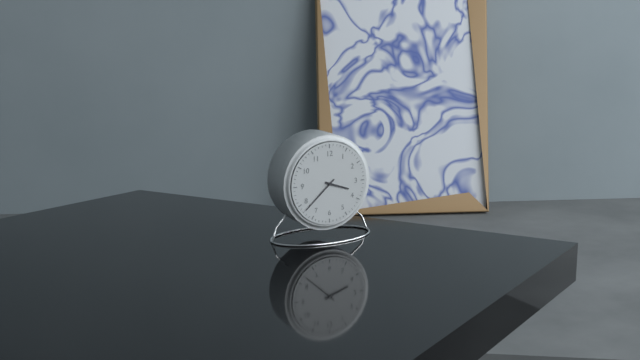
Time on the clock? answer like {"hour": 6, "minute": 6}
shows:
{"hour": 3, "minute": 38}
